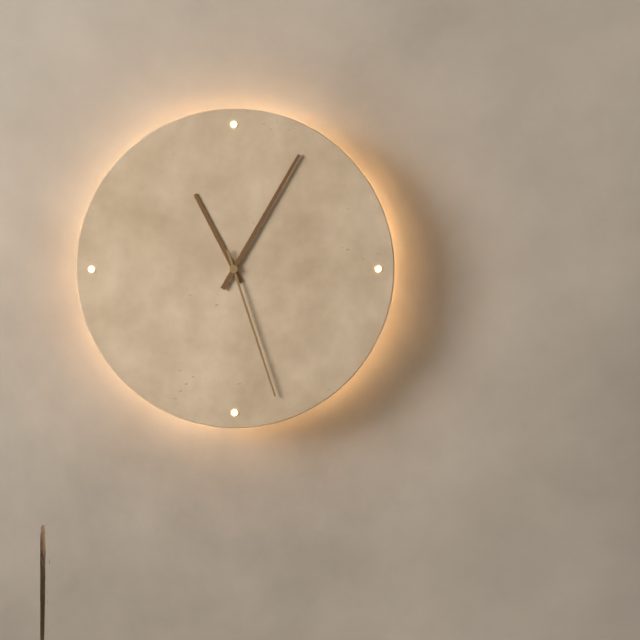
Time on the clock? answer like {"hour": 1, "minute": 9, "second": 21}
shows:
{"hour": 11, "minute": 5, "second": 27}
